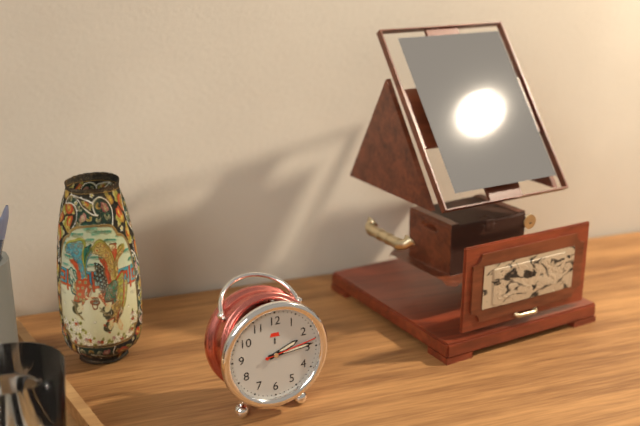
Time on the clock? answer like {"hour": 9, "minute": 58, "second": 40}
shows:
{"hour": 2, "minute": 14, "second": 13}
